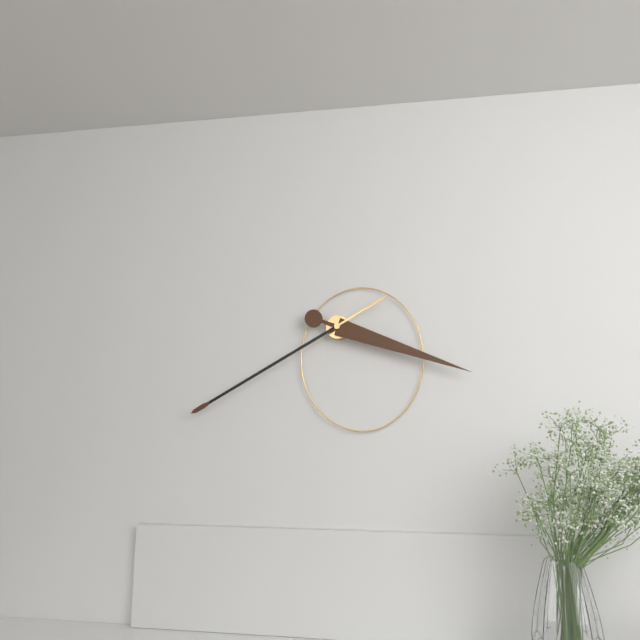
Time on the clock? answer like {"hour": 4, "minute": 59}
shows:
{"hour": 3, "minute": 40}
